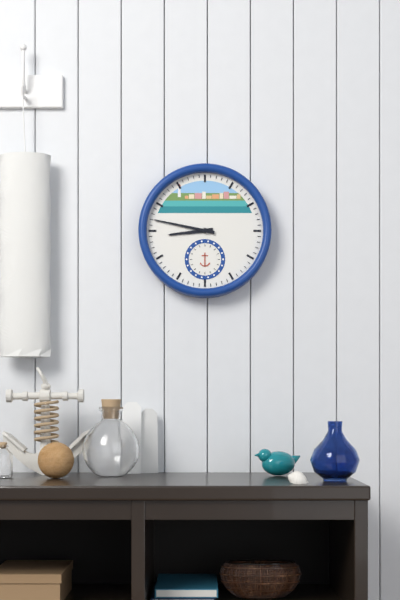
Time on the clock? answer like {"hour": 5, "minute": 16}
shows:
{"hour": 8, "minute": 47}
